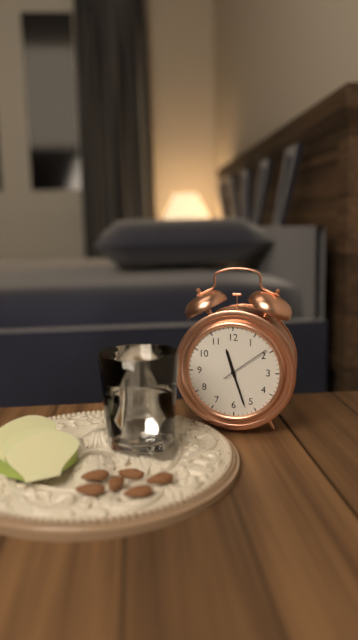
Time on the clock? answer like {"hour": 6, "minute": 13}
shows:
{"hour": 11, "minute": 27}
